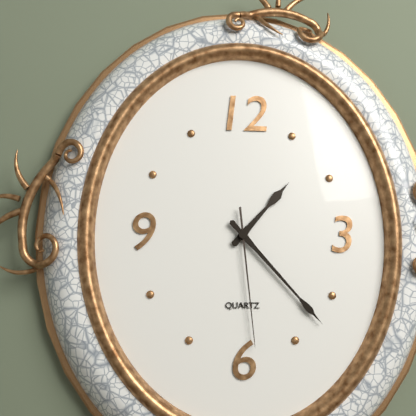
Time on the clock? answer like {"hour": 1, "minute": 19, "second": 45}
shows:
{"hour": 1, "minute": 23, "second": 29}
